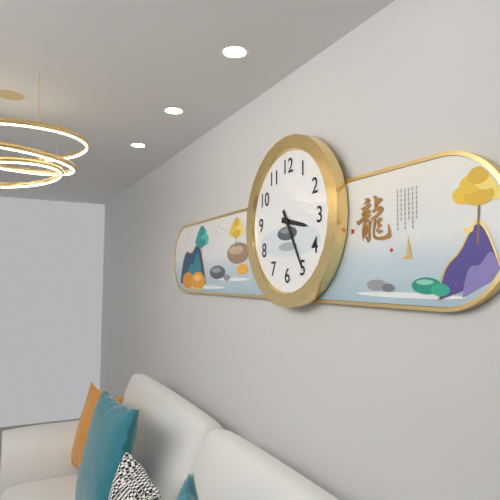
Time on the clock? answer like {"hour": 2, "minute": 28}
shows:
{"hour": 3, "minute": 25}
